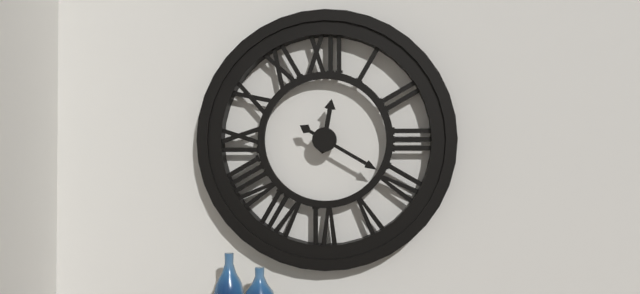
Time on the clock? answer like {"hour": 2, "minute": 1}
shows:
{"hour": 12, "minute": 20}
